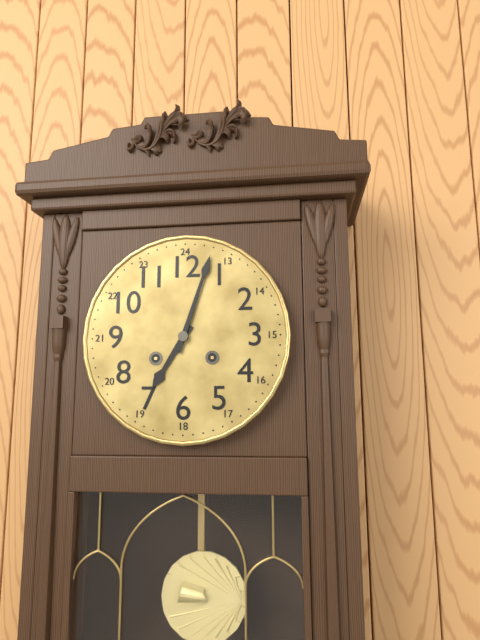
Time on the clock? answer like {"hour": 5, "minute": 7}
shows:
{"hour": 7, "minute": 3}
